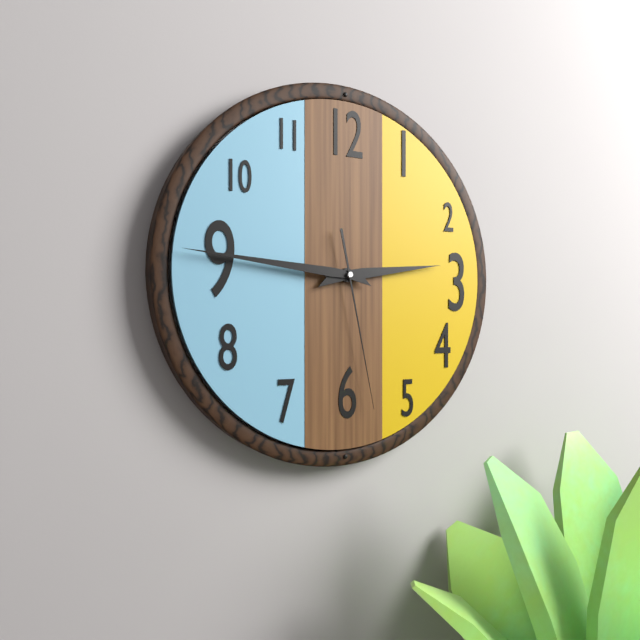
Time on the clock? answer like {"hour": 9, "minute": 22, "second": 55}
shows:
{"hour": 2, "minute": 46, "second": 28}
